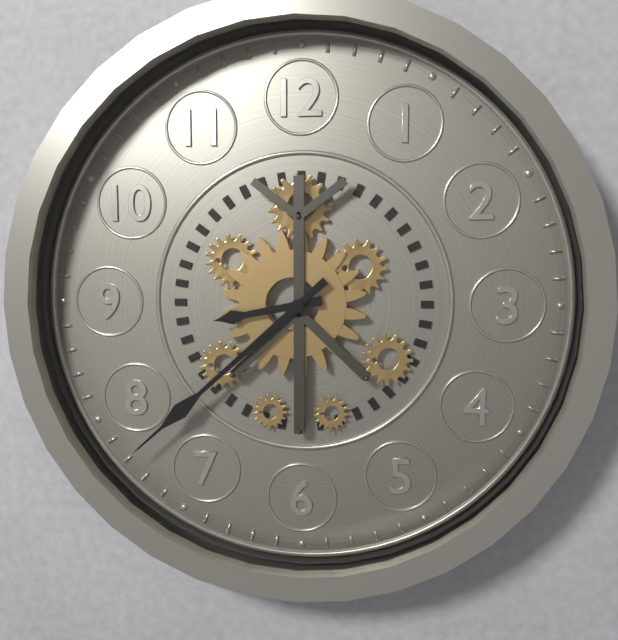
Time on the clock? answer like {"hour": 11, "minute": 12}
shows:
{"hour": 8, "minute": 38}
